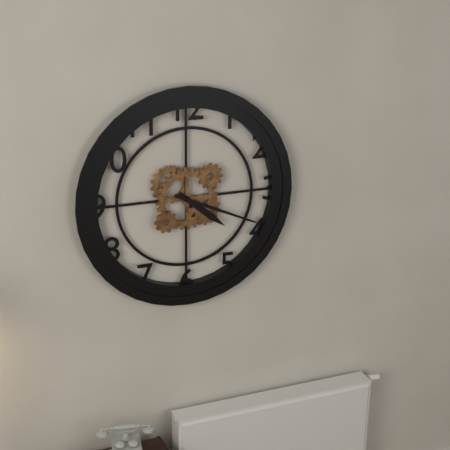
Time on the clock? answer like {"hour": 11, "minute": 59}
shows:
{"hour": 4, "minute": 19}
